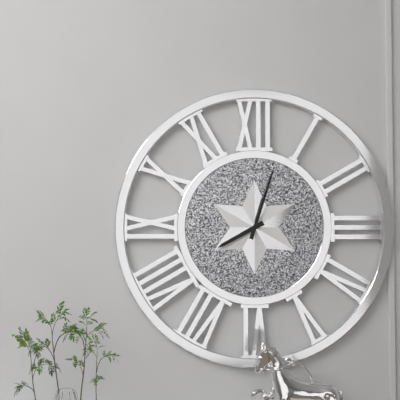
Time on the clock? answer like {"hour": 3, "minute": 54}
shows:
{"hour": 8, "minute": 3}
